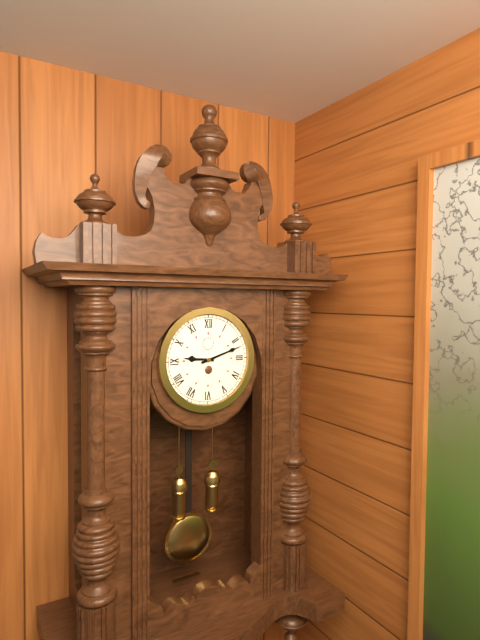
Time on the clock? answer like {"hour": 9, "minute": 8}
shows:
{"hour": 9, "minute": 12}
